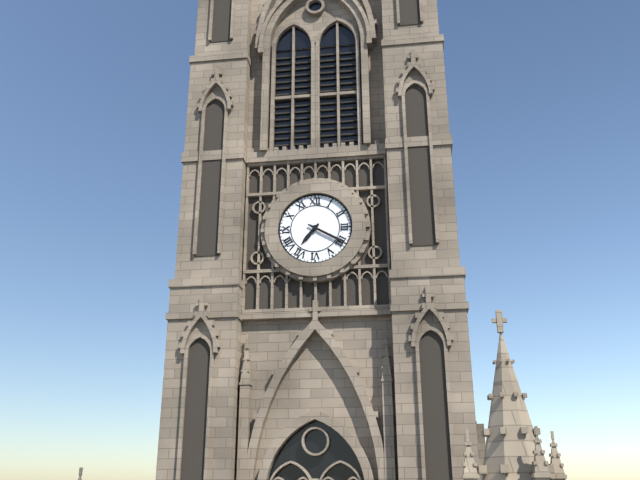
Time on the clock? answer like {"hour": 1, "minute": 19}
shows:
{"hour": 7, "minute": 20}
